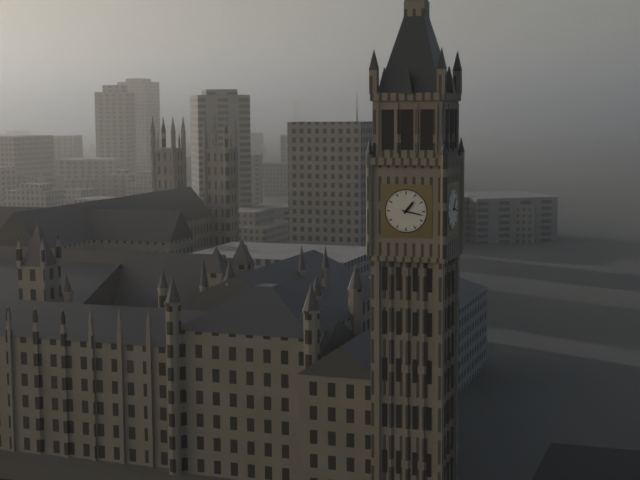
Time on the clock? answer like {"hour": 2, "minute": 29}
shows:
{"hour": 1, "minute": 17}
